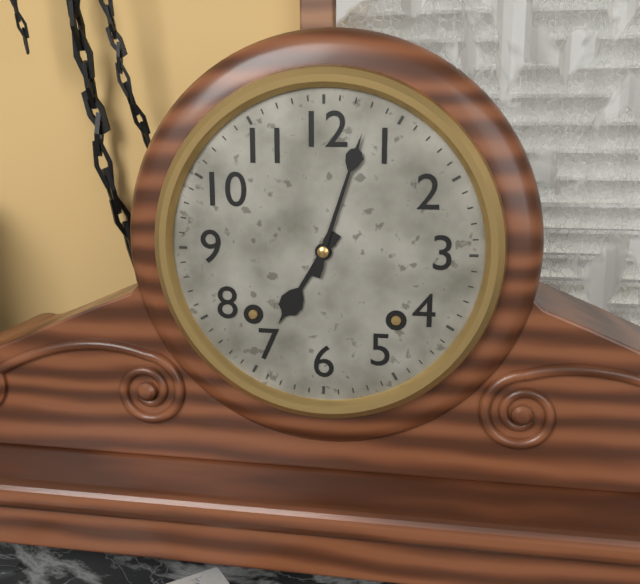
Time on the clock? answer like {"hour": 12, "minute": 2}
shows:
{"hour": 7, "minute": 3}
